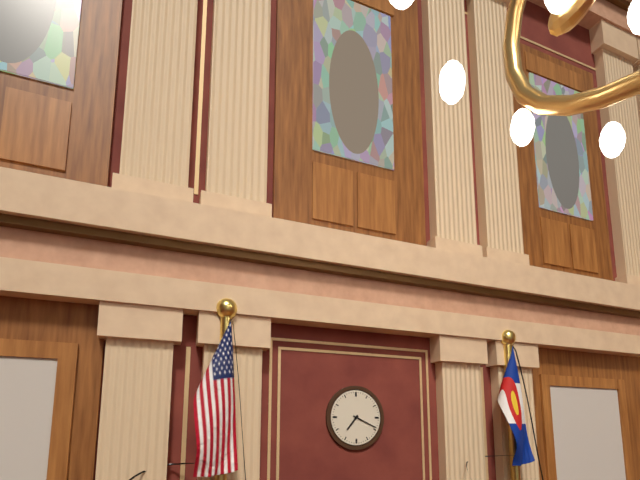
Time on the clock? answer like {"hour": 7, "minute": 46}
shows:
{"hour": 7, "minute": 19}
